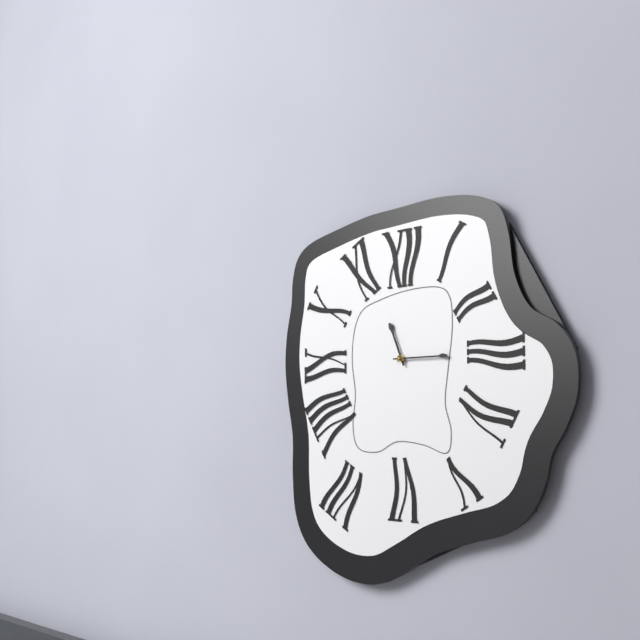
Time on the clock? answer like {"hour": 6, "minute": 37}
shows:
{"hour": 11, "minute": 15}
